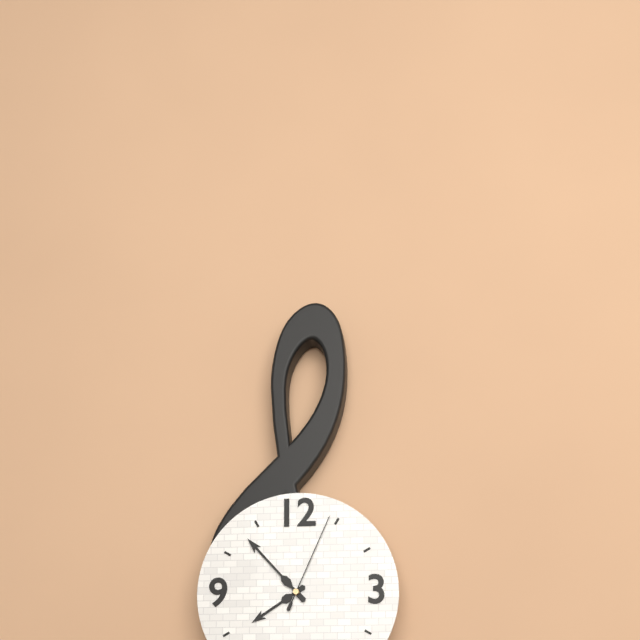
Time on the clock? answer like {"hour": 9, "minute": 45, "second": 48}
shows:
{"hour": 7, "minute": 53, "second": 4}
